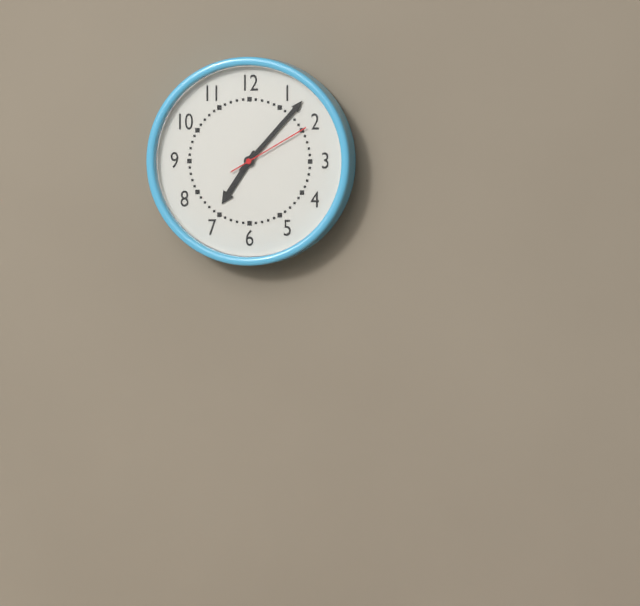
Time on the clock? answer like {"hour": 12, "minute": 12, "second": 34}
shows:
{"hour": 7, "minute": 7, "second": 10}
